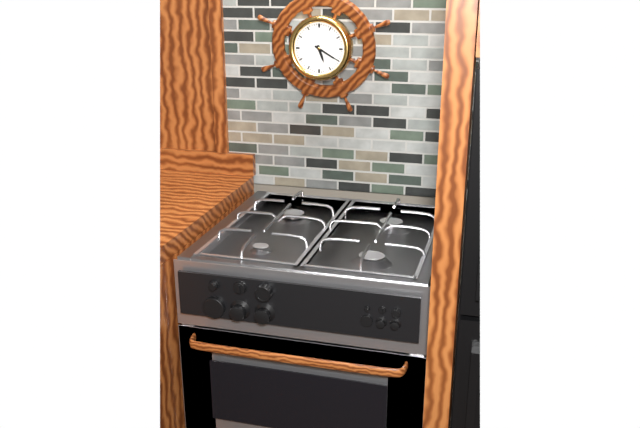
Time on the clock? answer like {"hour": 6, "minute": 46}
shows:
{"hour": 5, "minute": 20}
